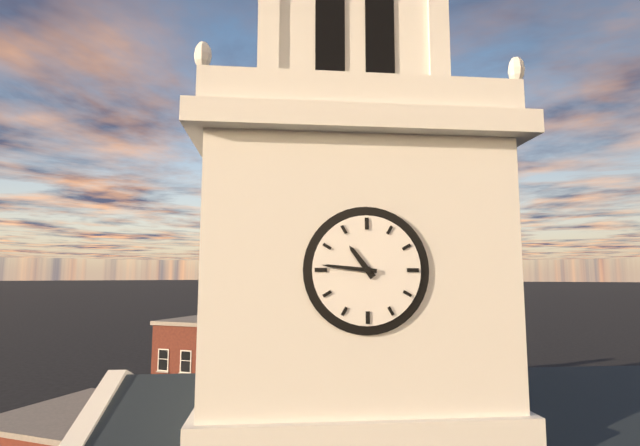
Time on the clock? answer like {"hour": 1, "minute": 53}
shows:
{"hour": 10, "minute": 46}
